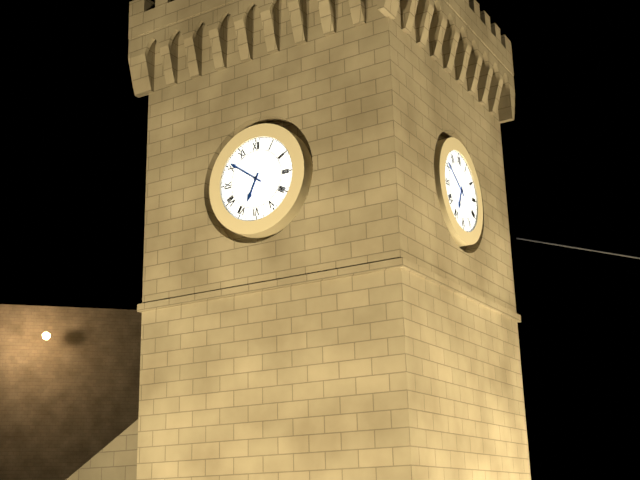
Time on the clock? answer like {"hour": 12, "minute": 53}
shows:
{"hour": 6, "minute": 51}
